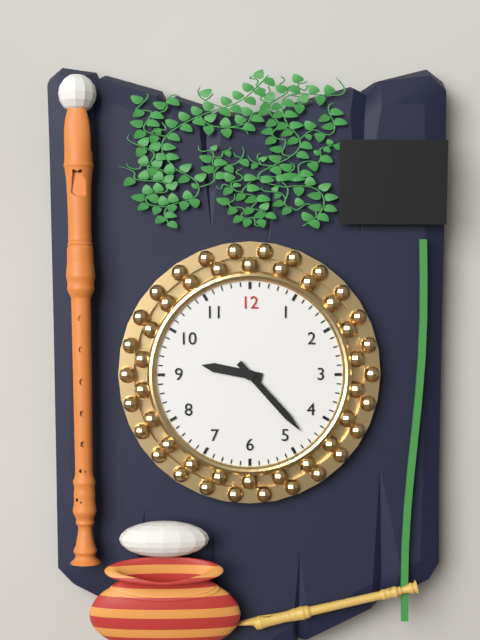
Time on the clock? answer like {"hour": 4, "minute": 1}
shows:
{"hour": 9, "minute": 23}
